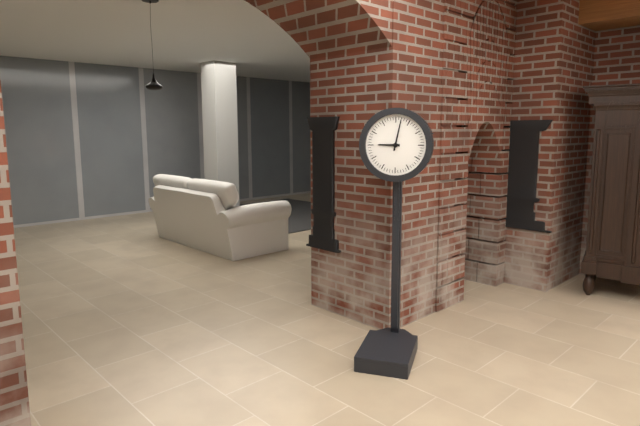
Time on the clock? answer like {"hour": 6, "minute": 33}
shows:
{"hour": 9, "minute": 2}
